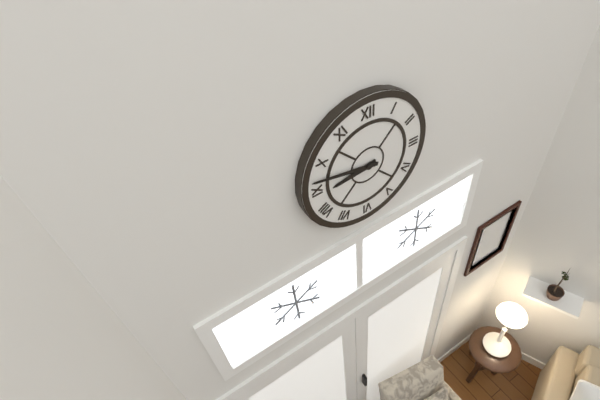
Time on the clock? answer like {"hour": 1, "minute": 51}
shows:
{"hour": 8, "minute": 47}
